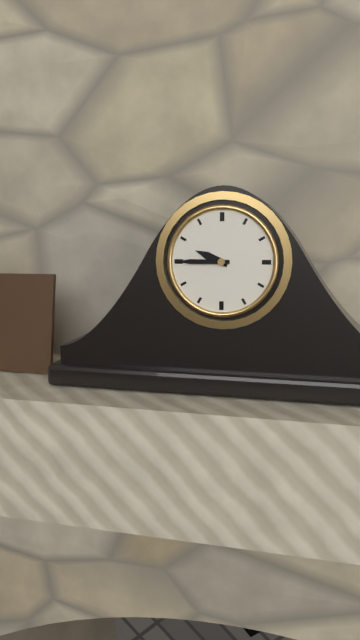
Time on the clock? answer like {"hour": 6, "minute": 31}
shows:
{"hour": 9, "minute": 45}
